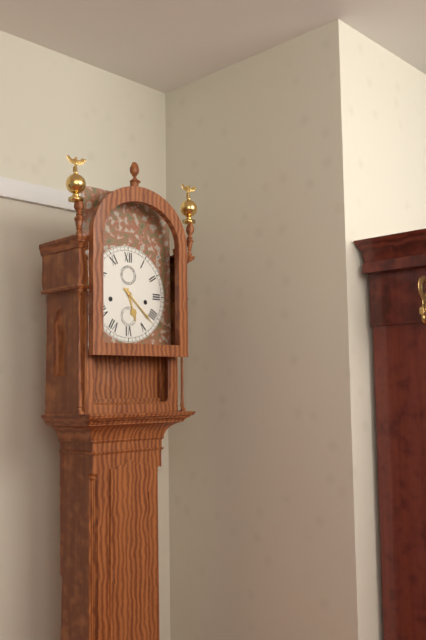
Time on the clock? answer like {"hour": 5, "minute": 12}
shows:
{"hour": 5, "minute": 22}
